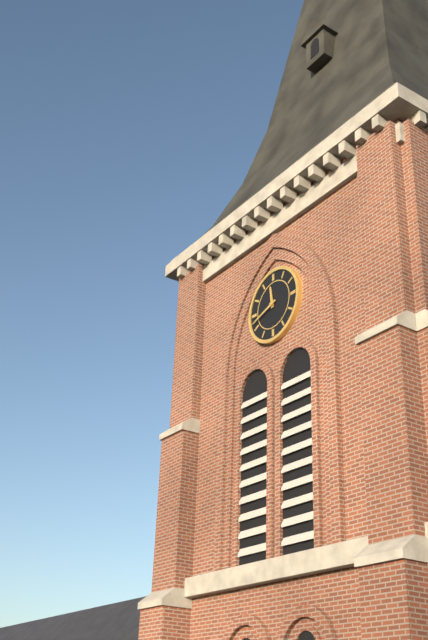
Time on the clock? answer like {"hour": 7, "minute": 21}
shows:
{"hour": 11, "minute": 42}
